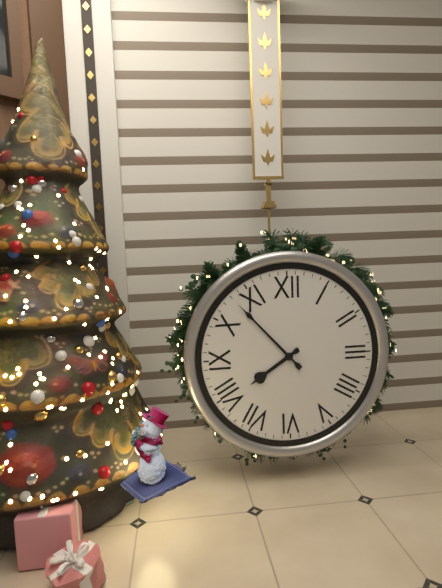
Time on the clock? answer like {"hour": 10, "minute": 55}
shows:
{"hour": 7, "minute": 53}
